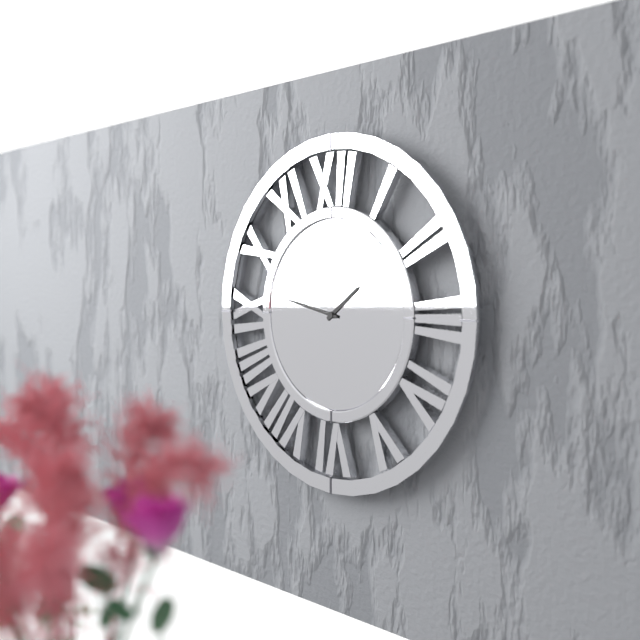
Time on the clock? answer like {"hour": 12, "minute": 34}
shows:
{"hour": 1, "minute": 47}
